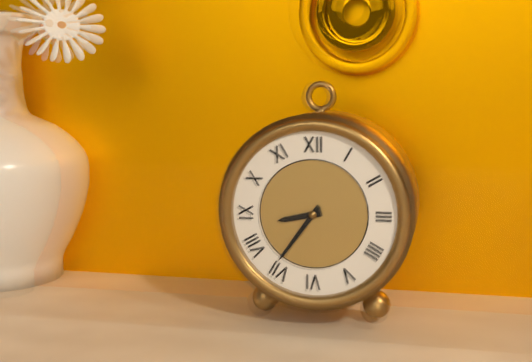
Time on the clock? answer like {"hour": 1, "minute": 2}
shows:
{"hour": 8, "minute": 36}
